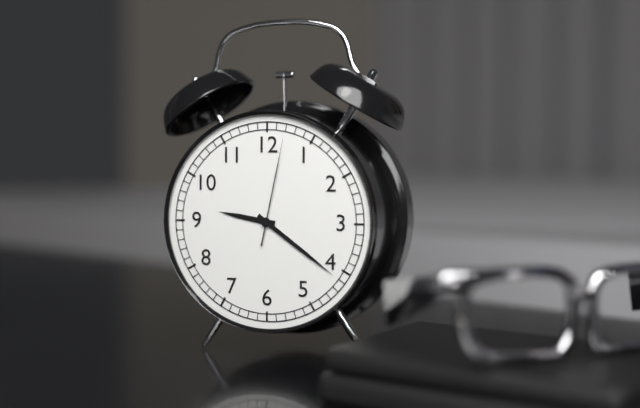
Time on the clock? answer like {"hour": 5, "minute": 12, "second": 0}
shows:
{"hour": 9, "minute": 21, "second": 2}
